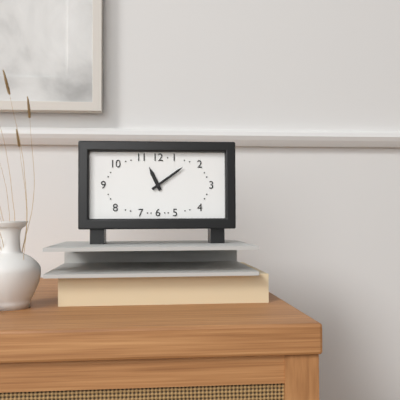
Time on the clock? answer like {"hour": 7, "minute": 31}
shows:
{"hour": 11, "minute": 9}
